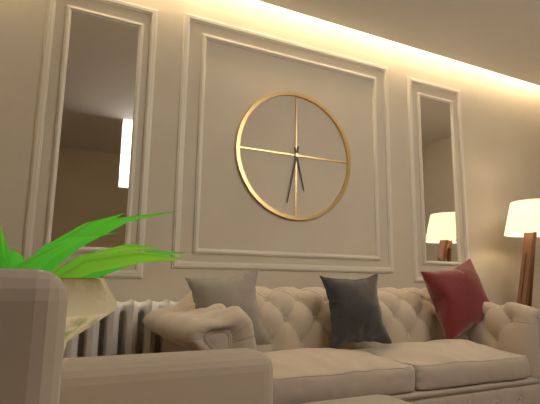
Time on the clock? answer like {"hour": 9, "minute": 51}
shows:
{"hour": 5, "minute": 32}
